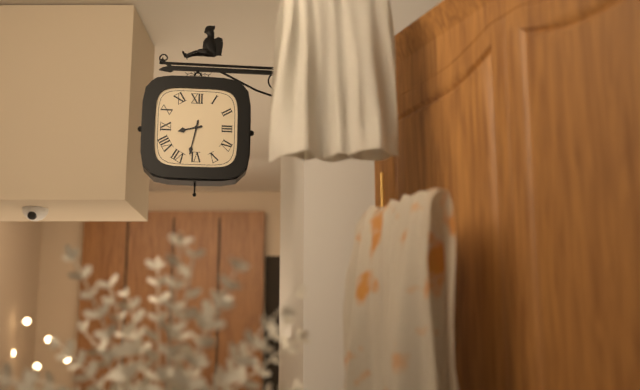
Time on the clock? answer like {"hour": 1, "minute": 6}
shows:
{"hour": 8, "minute": 32}
